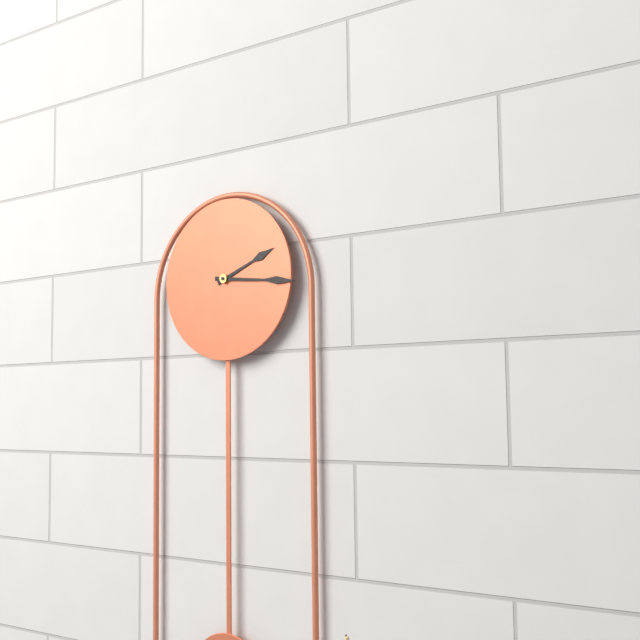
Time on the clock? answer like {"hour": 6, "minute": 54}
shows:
{"hour": 2, "minute": 16}
